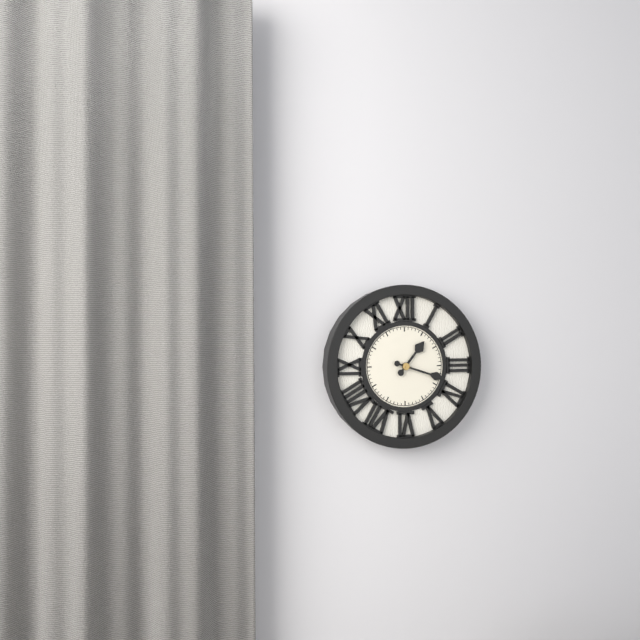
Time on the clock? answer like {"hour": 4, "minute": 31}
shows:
{"hour": 1, "minute": 18}
